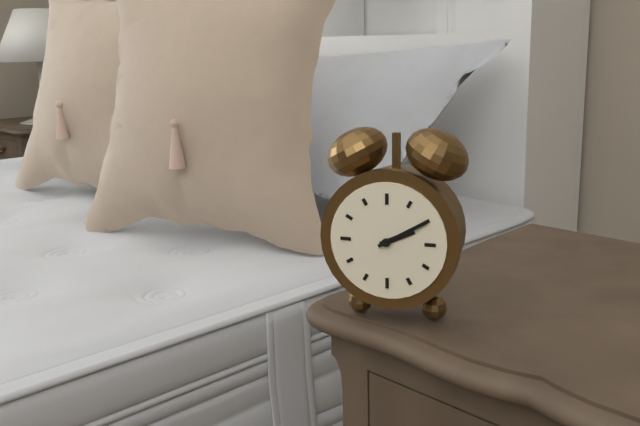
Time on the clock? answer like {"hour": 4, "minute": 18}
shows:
{"hour": 2, "minute": 10}
